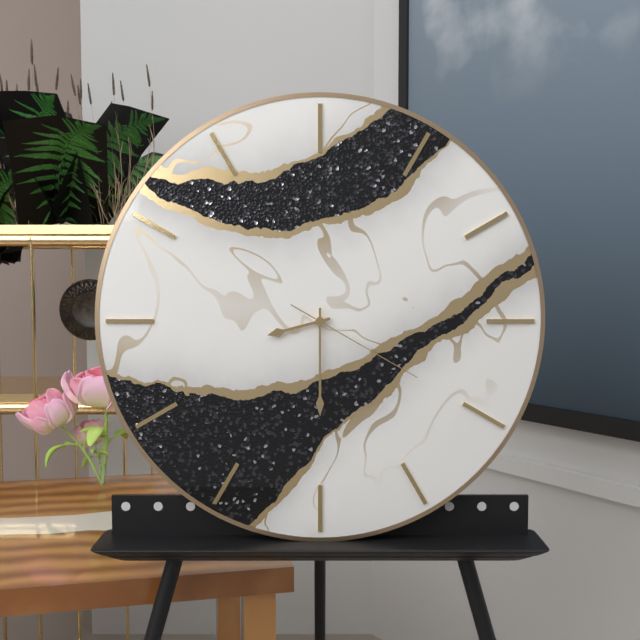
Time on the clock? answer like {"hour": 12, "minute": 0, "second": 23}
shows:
{"hour": 8, "minute": 30, "second": 20}
